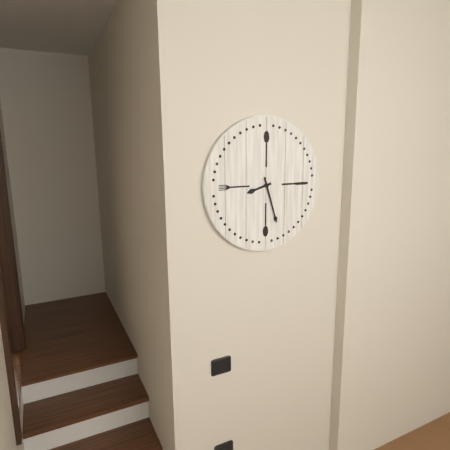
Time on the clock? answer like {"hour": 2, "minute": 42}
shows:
{"hour": 8, "minute": 27}
